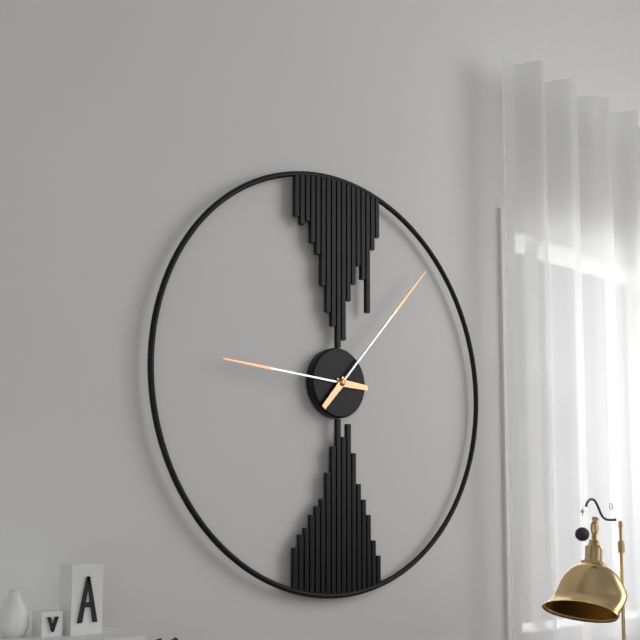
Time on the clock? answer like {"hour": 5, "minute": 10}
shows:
{"hour": 9, "minute": 7}
